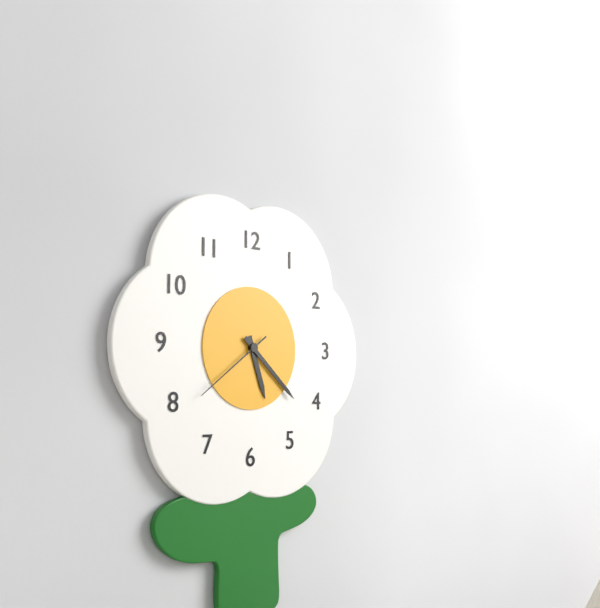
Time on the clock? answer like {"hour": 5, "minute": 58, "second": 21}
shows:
{"hour": 5, "minute": 22, "second": 39}
